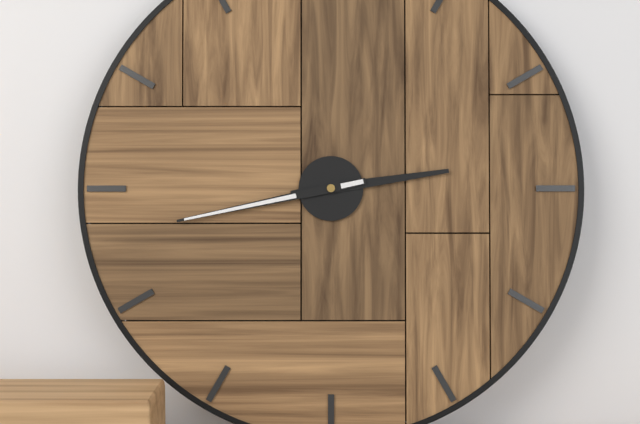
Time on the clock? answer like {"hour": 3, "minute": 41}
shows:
{"hour": 2, "minute": 43}
